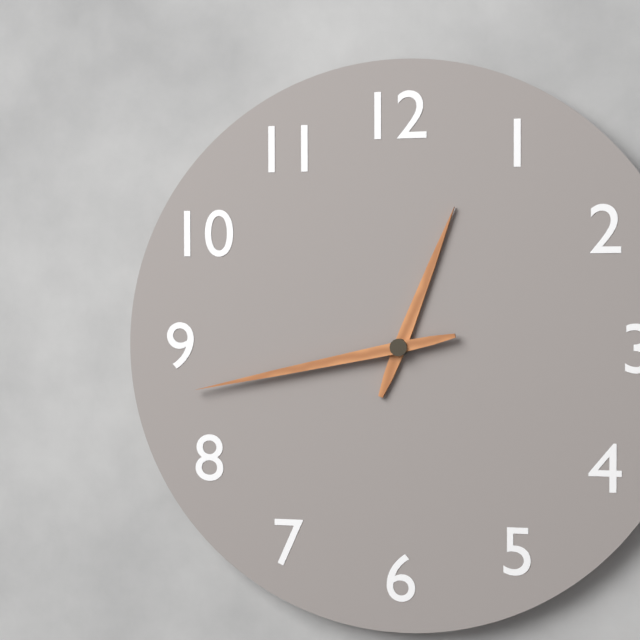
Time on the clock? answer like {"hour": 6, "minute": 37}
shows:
{"hour": 12, "minute": 43}
